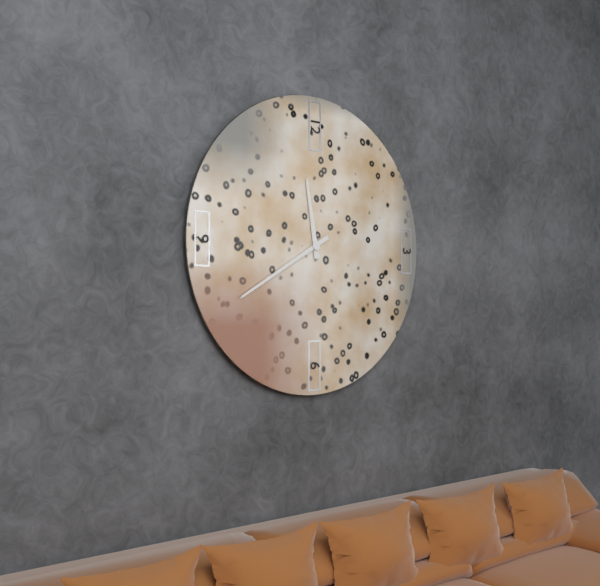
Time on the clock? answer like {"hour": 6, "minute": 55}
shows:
{"hour": 11, "minute": 40}
